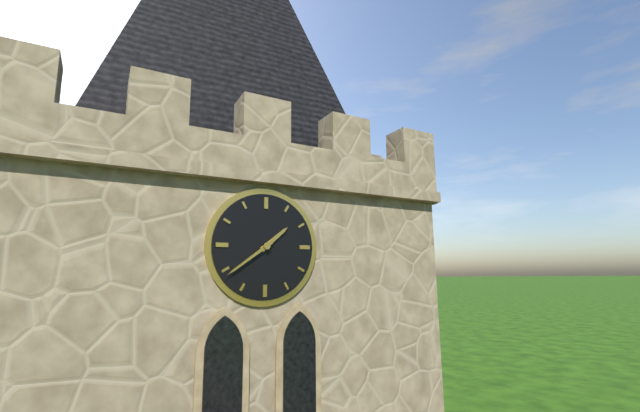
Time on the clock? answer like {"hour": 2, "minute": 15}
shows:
{"hour": 1, "minute": 39}
